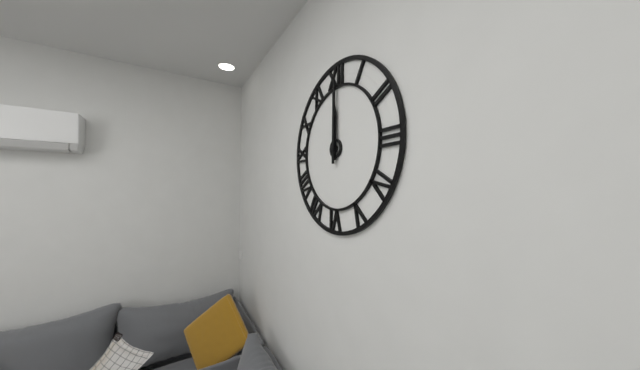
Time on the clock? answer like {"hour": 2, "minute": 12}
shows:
{"hour": 12, "minute": 0}
